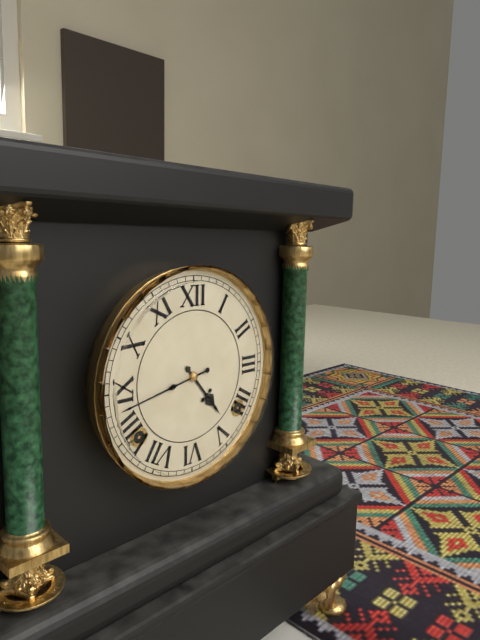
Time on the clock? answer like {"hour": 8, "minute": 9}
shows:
{"hour": 4, "minute": 43}
